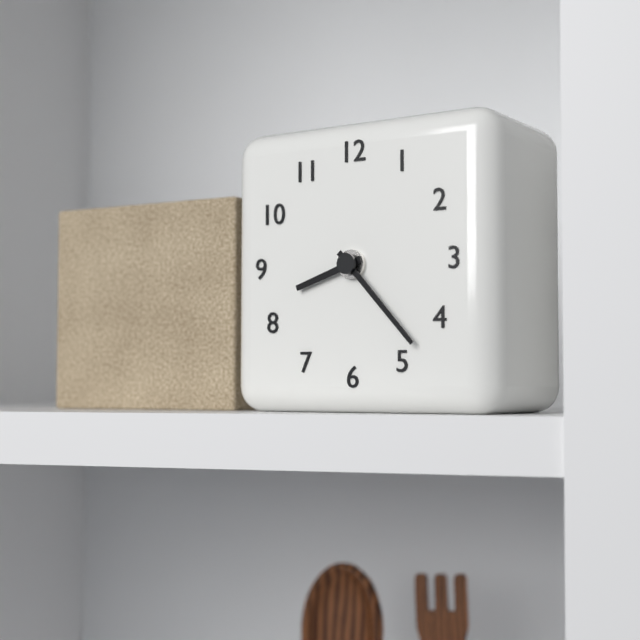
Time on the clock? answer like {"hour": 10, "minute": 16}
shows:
{"hour": 8, "minute": 23}
